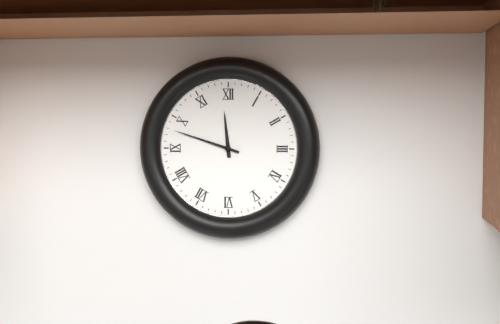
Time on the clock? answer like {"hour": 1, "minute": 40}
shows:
{"hour": 11, "minute": 48}
